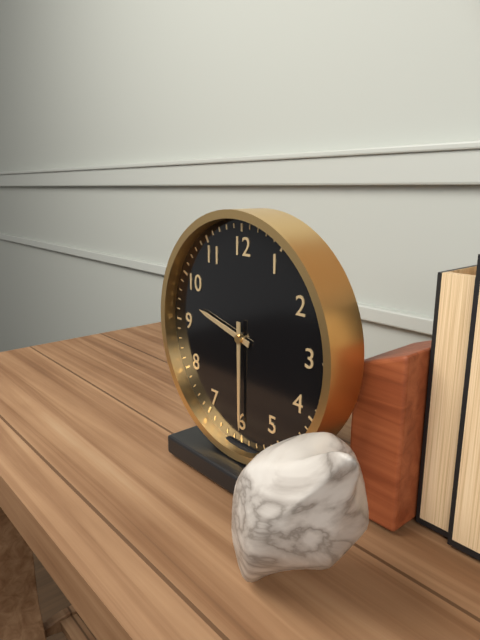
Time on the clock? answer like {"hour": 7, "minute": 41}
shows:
{"hour": 9, "minute": 30}
